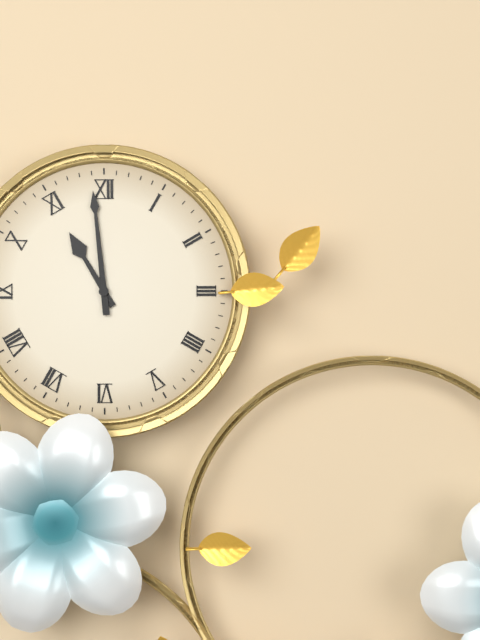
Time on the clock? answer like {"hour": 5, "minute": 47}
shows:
{"hour": 10, "minute": 59}
